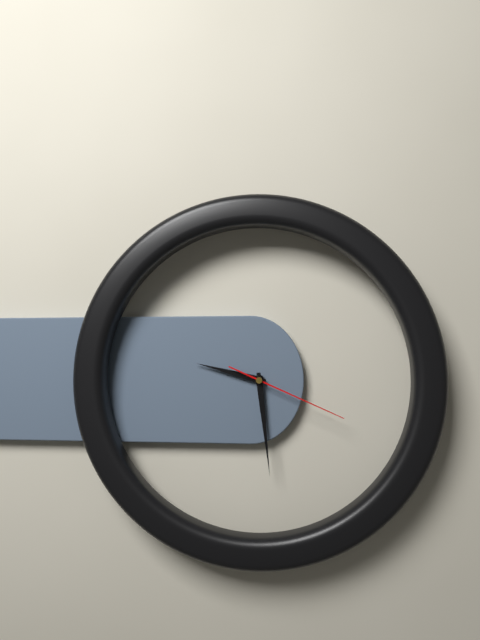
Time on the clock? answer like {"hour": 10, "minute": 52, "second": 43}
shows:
{"hour": 9, "minute": 29, "second": 19}
